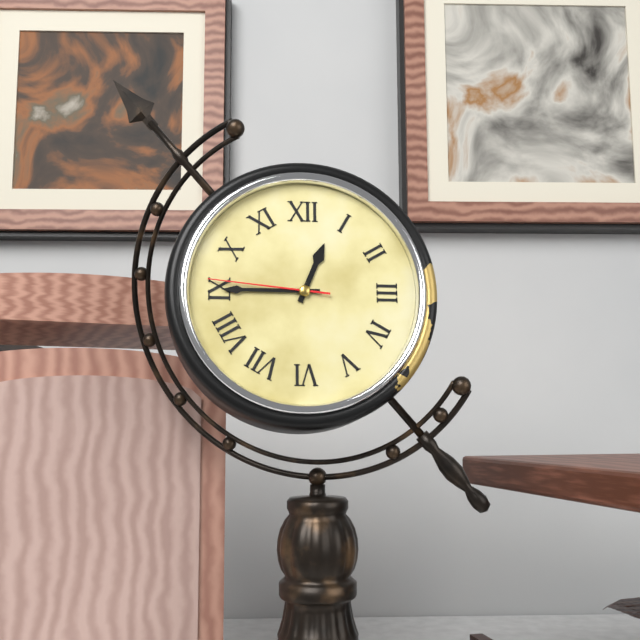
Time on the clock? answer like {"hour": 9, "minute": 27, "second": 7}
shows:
{"hour": 12, "minute": 45, "second": 46}
